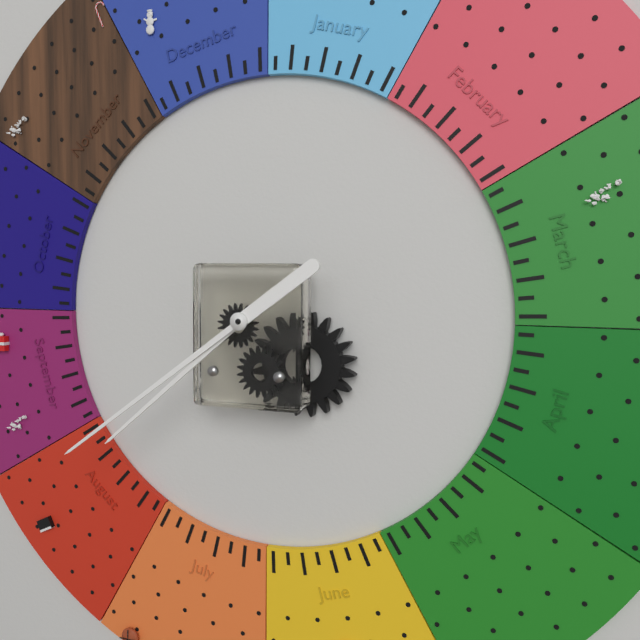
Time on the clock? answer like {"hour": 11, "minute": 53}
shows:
{"hour": 7, "minute": 39}
